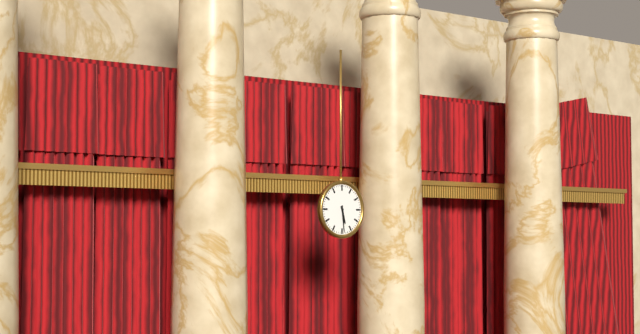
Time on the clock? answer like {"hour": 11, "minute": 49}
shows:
{"hour": 5, "minute": 29}
